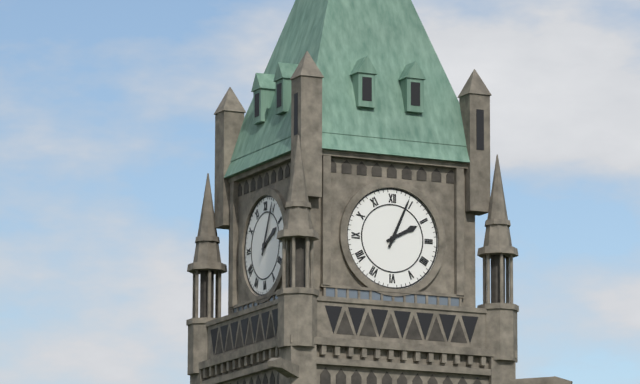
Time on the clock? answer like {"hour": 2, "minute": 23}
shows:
{"hour": 2, "minute": 4}
